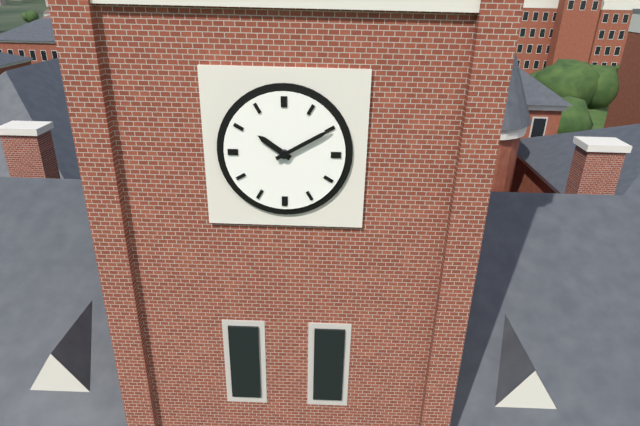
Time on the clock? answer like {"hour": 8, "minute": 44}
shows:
{"hour": 10, "minute": 10}
